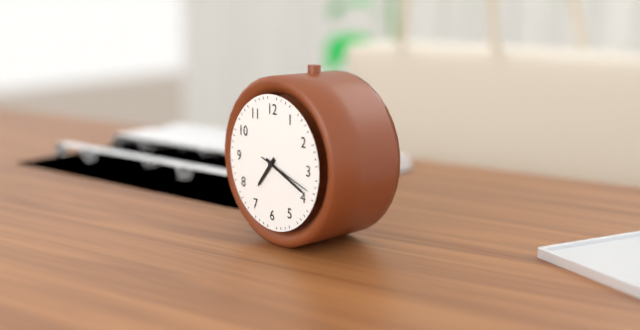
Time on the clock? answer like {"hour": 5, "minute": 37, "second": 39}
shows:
{"hour": 7, "minute": 19, "second": 18}
